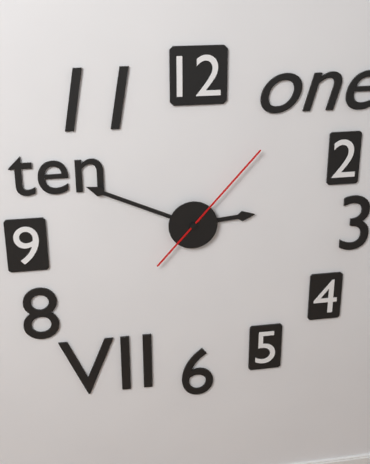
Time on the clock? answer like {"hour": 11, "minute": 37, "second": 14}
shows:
{"hour": 2, "minute": 49, "second": 7}
